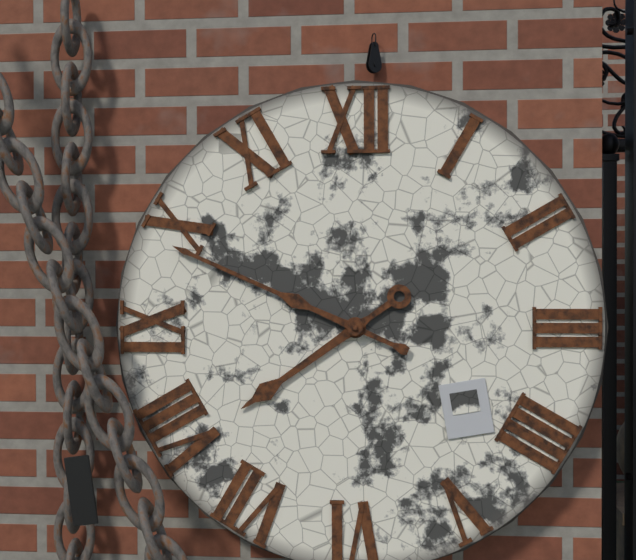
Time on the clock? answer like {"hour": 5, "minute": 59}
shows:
{"hour": 7, "minute": 49}
